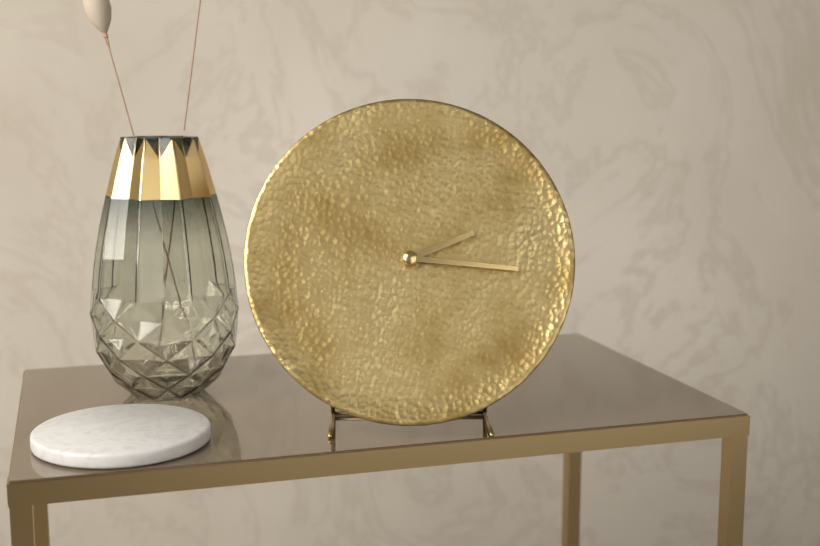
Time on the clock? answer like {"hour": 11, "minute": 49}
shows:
{"hour": 2, "minute": 16}
